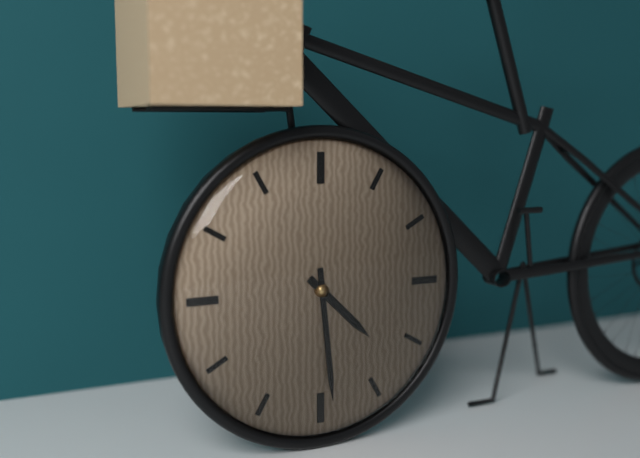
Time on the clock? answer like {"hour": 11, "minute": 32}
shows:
{"hour": 4, "minute": 29}
